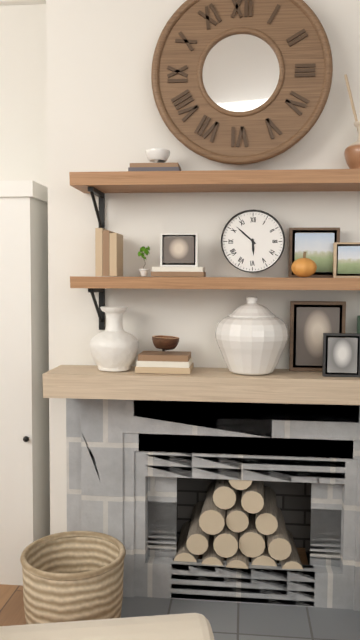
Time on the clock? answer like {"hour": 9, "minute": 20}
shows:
{"hour": 5, "minute": 52}
